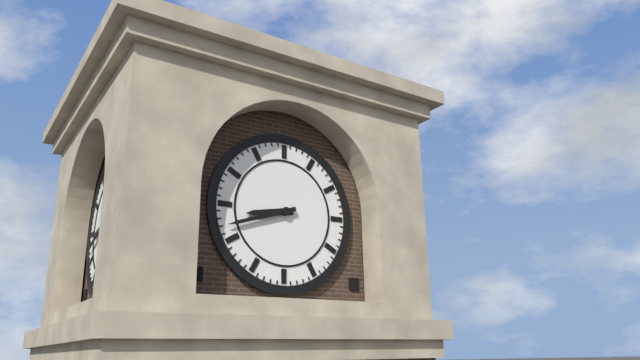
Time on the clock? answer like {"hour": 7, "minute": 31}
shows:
{"hour": 8, "minute": 42}
